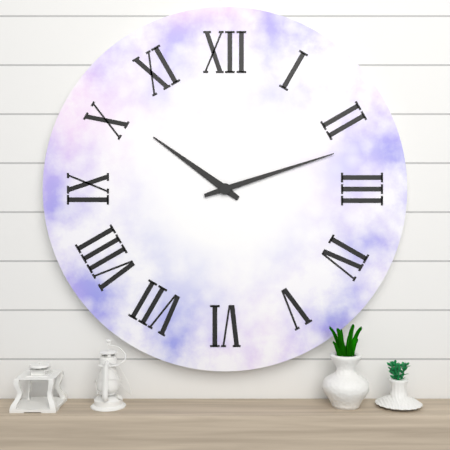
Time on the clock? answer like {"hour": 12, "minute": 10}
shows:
{"hour": 10, "minute": 12}
